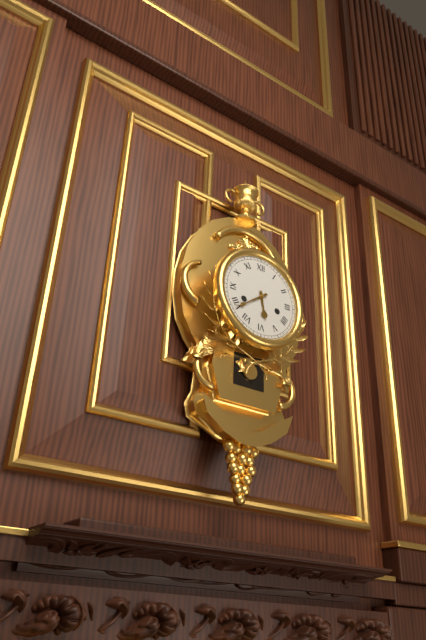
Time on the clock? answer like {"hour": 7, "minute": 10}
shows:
{"hour": 5, "minute": 39}
